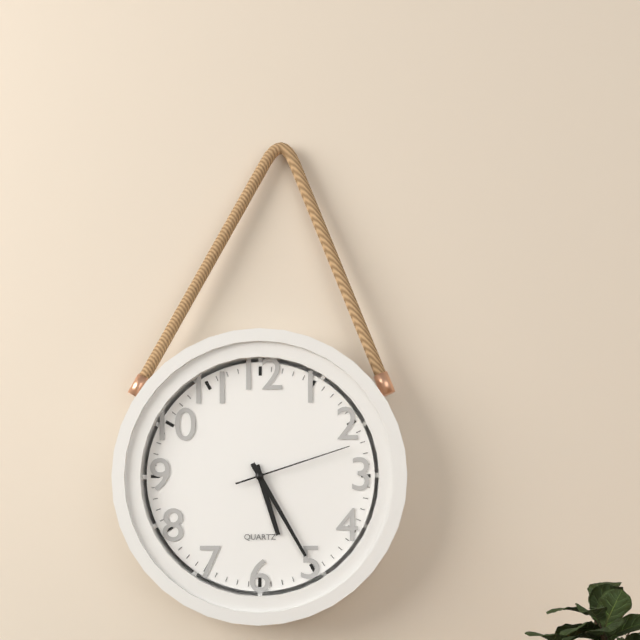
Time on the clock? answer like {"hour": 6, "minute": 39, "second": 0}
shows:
{"hour": 5, "minute": 25, "second": 12}
